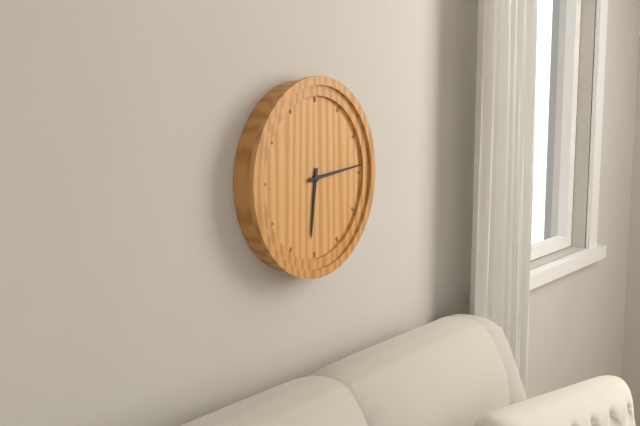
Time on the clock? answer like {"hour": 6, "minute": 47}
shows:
{"hour": 6, "minute": 14}
